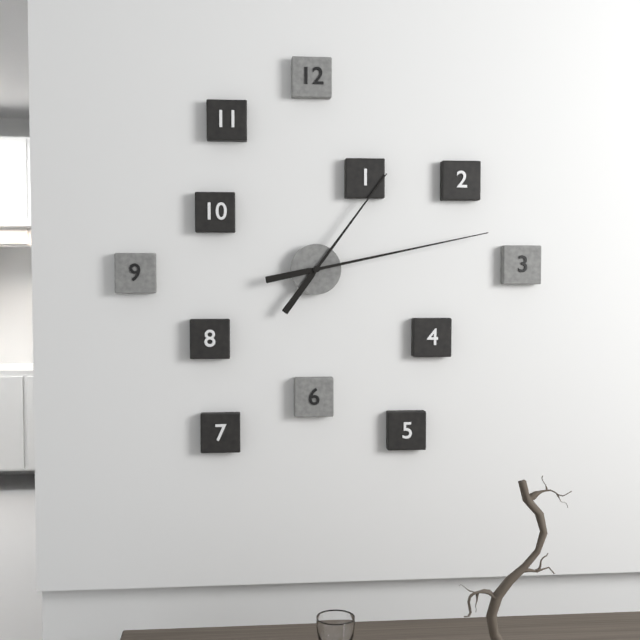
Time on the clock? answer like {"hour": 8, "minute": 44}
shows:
{"hour": 1, "minute": 13}
